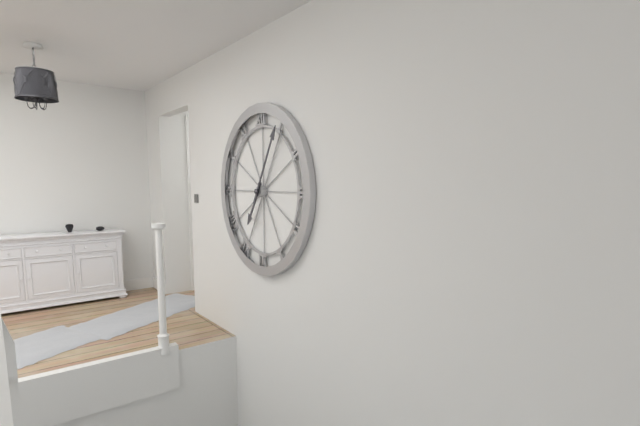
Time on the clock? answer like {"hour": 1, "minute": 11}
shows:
{"hour": 7, "minute": 5}
